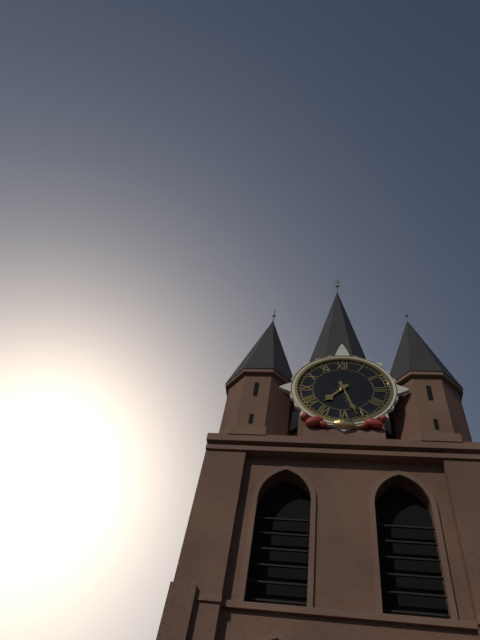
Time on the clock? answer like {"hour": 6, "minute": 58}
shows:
{"hour": 7, "minute": 27}
